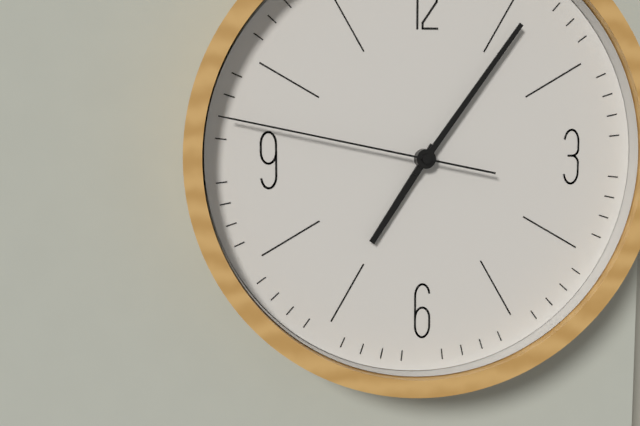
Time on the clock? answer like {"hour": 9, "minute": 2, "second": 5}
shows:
{"hour": 7, "minute": 6, "second": 47}
